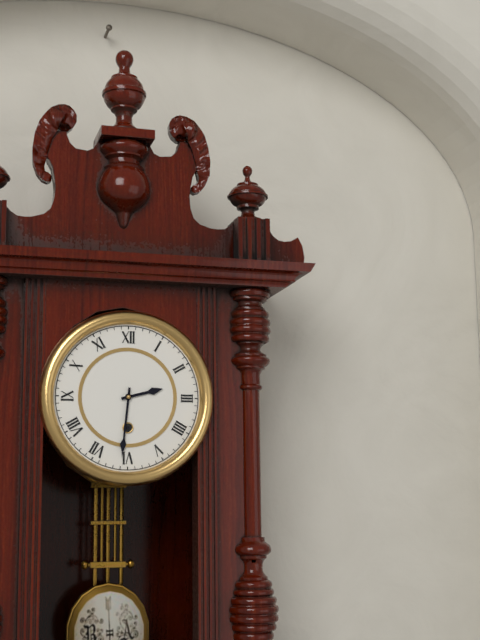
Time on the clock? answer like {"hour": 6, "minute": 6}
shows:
{"hour": 2, "minute": 31}
